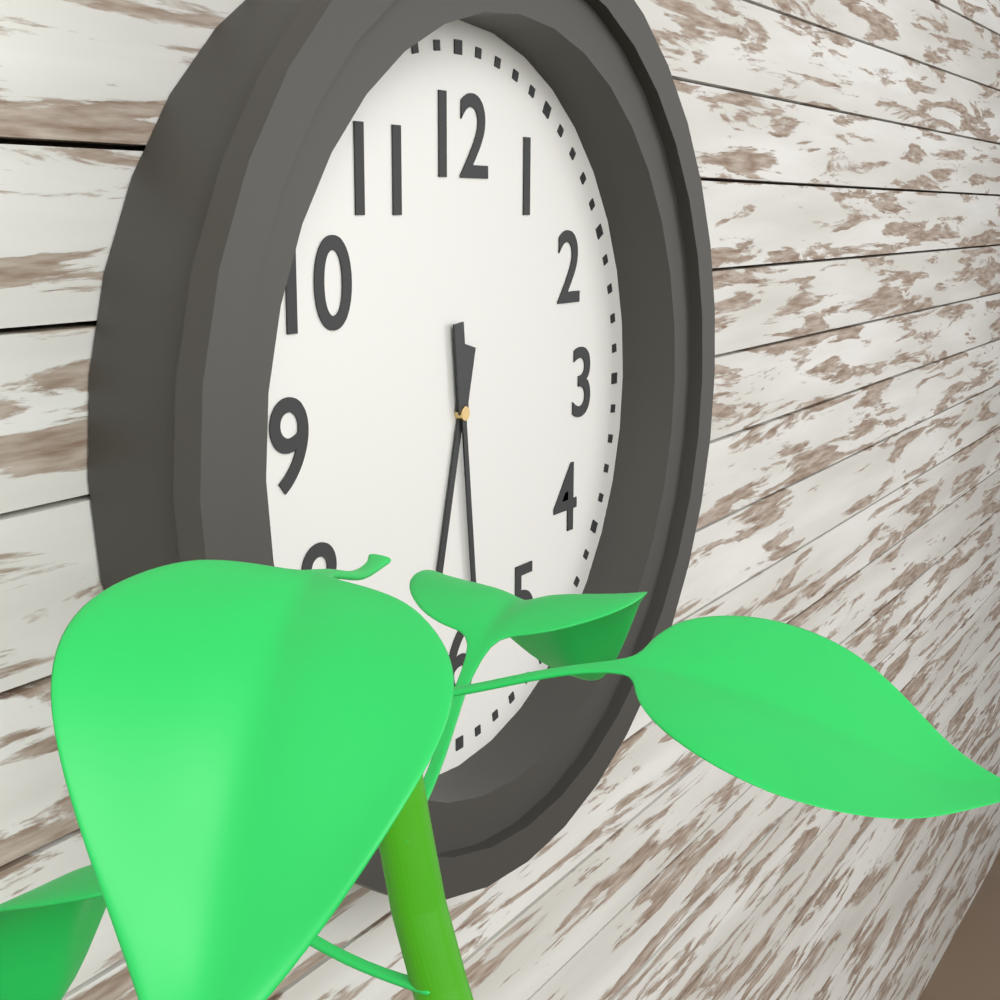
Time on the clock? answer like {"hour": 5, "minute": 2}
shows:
{"hour": 6, "minute": 29}
